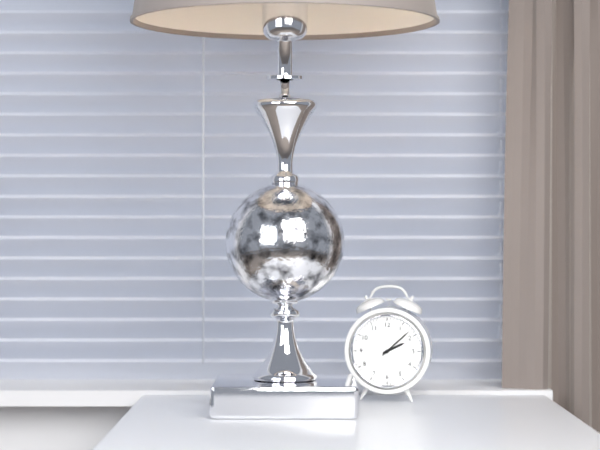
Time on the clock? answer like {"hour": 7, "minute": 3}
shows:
{"hour": 2, "minute": 8}
